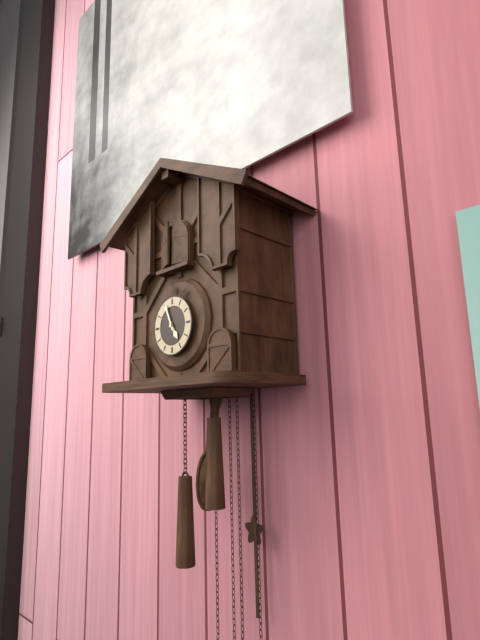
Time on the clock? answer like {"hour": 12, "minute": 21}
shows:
{"hour": 4, "minute": 56}
